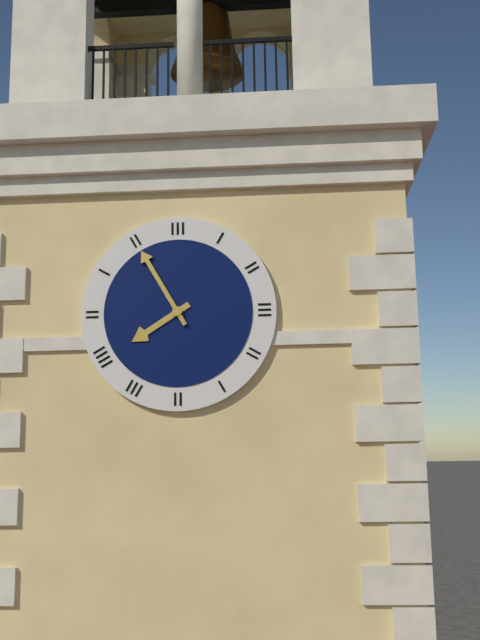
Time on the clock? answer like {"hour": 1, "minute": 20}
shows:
{"hour": 7, "minute": 55}
